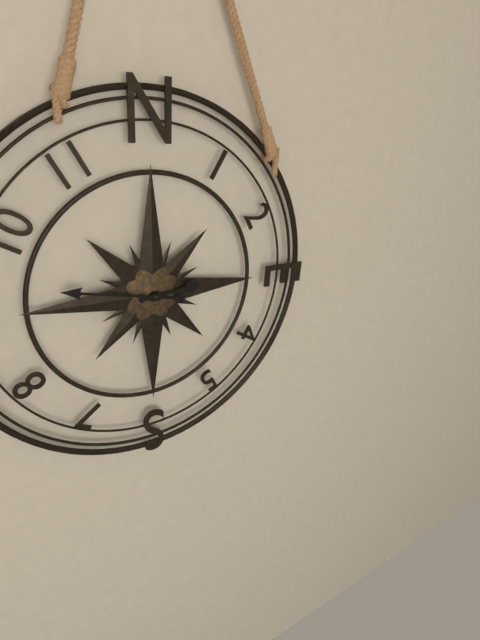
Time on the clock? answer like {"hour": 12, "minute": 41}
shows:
{"hour": 2, "minute": 47}
